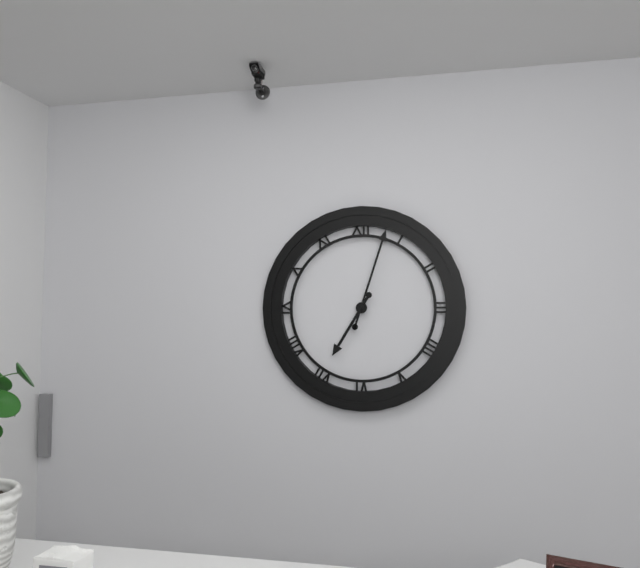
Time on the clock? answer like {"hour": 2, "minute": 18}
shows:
{"hour": 7, "minute": 3}
